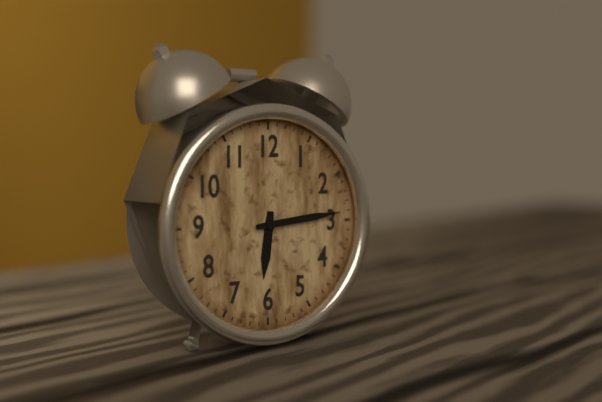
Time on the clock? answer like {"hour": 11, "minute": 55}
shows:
{"hour": 6, "minute": 14}
